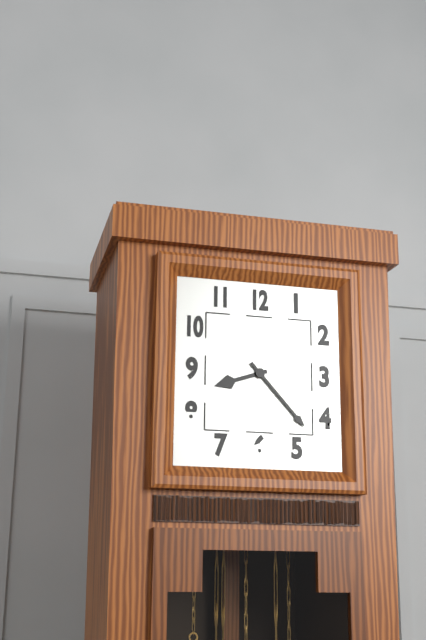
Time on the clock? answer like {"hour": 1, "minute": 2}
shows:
{"hour": 8, "minute": 23}
